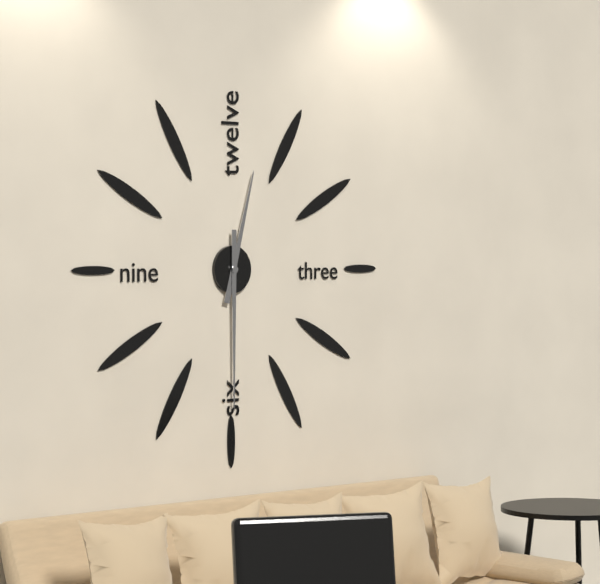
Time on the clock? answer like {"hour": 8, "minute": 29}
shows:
{"hour": 12, "minute": 30}
